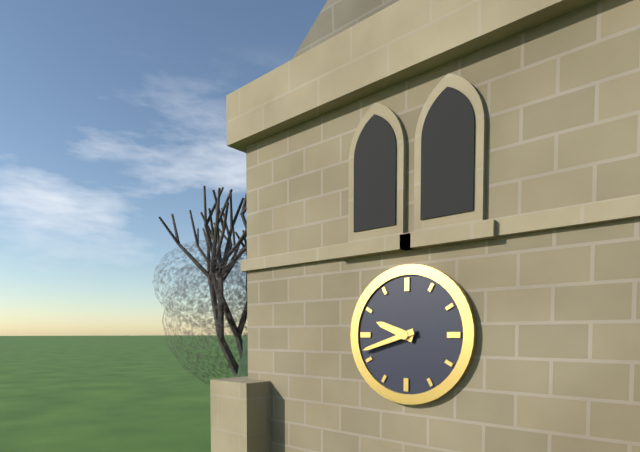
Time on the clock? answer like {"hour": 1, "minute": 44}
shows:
{"hour": 9, "minute": 42}
